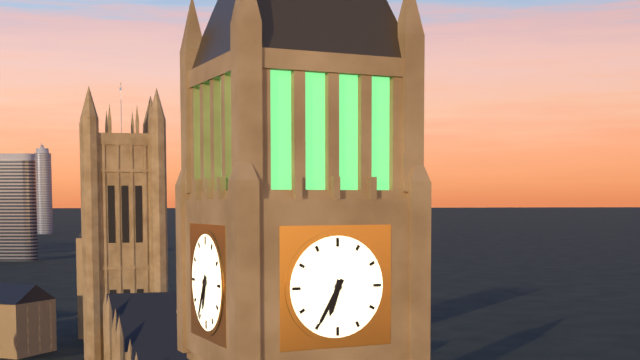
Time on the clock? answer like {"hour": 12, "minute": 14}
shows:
{"hour": 6, "minute": 35}
